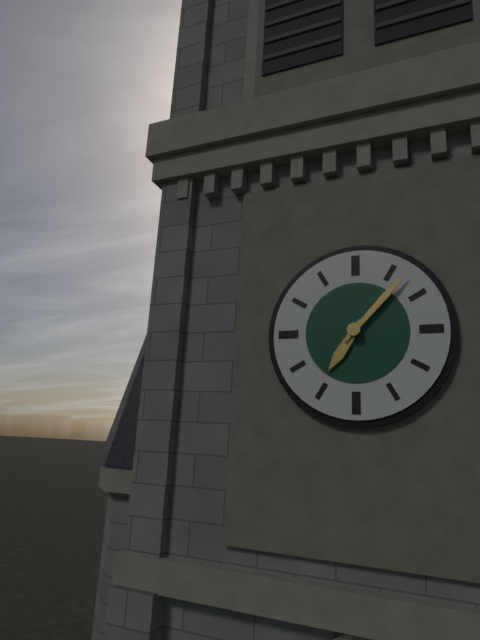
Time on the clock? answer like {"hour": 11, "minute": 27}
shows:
{"hour": 7, "minute": 7}
